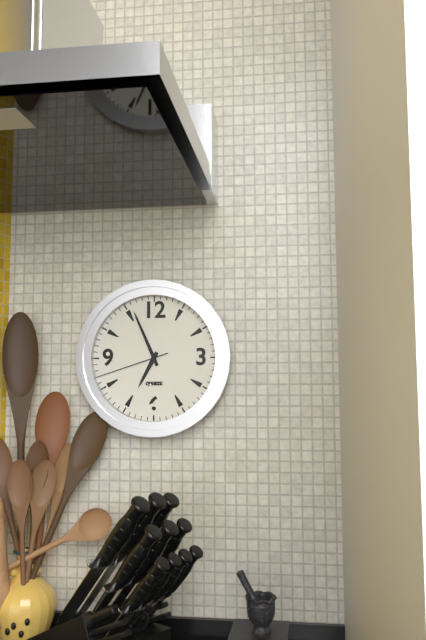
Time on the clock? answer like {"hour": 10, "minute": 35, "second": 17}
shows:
{"hour": 6, "minute": 56, "second": 42}
